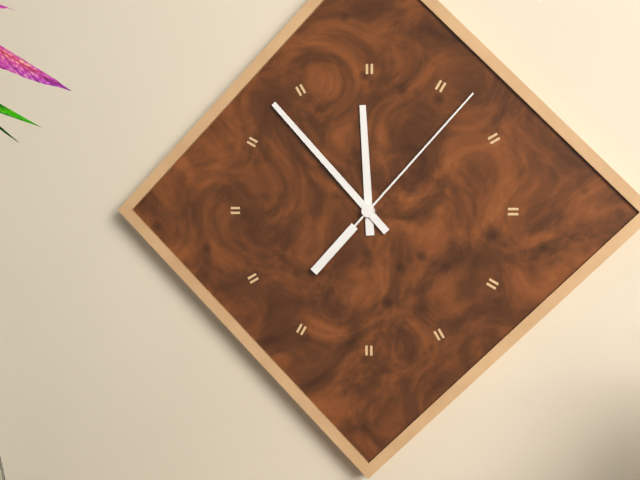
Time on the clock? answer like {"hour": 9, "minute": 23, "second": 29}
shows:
{"hour": 11, "minute": 53, "second": 7}
